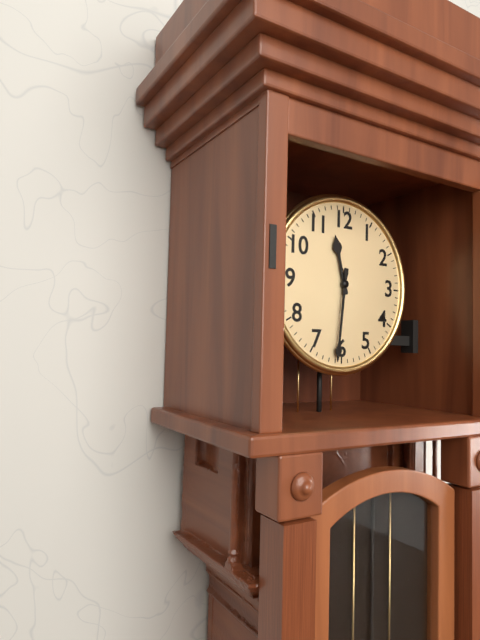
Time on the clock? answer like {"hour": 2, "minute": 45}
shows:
{"hour": 11, "minute": 31}
